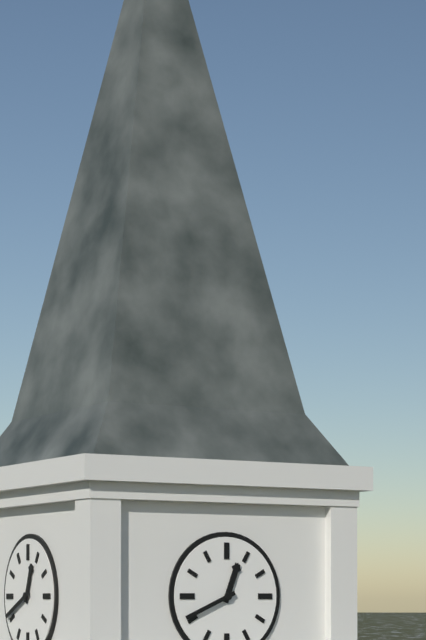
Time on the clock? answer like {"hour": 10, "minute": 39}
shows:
{"hour": 12, "minute": 41}
